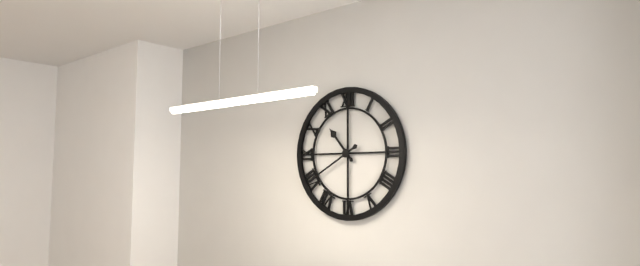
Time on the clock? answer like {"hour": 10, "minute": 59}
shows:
{"hour": 10, "minute": 40}
